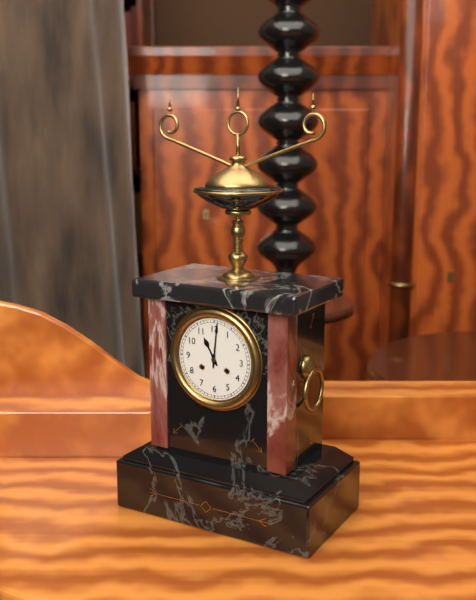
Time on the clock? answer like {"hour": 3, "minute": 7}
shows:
{"hour": 11, "minute": 1}
